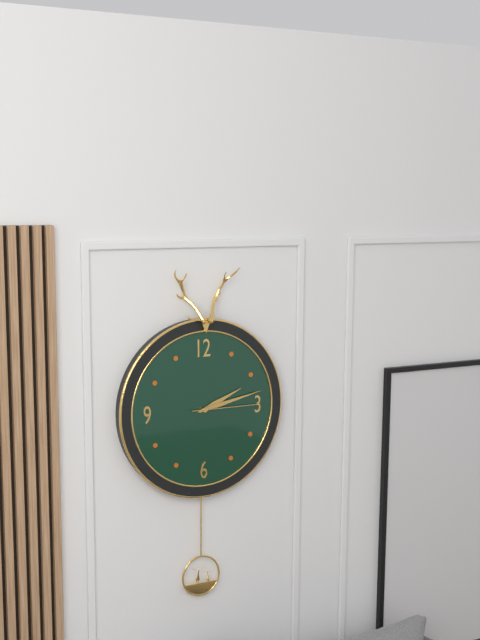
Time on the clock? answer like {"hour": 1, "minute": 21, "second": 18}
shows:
{"hour": 2, "minute": 13, "second": 15}
